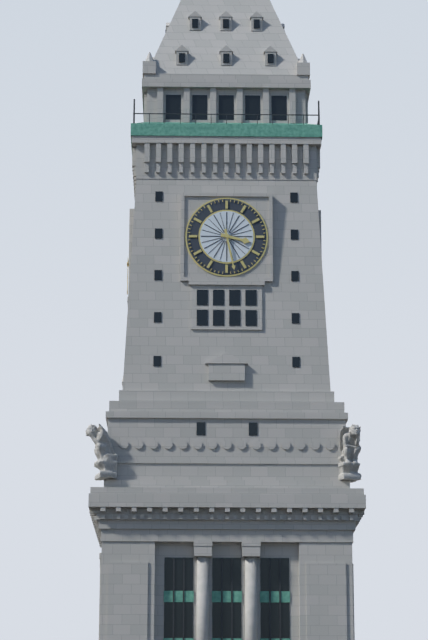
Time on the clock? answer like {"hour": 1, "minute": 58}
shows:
{"hour": 3, "minute": 28}
